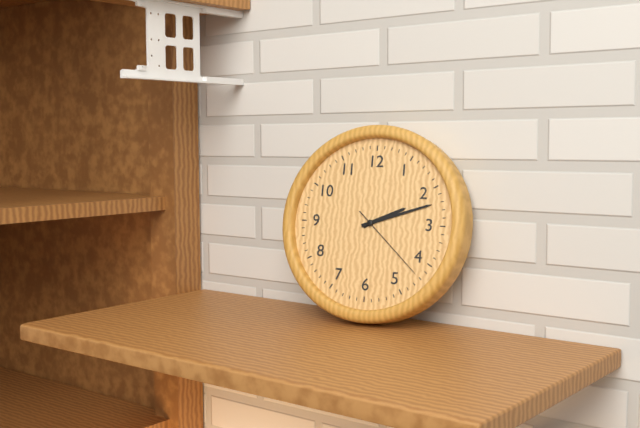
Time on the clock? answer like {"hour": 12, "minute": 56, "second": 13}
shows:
{"hour": 2, "minute": 12, "second": 22}
